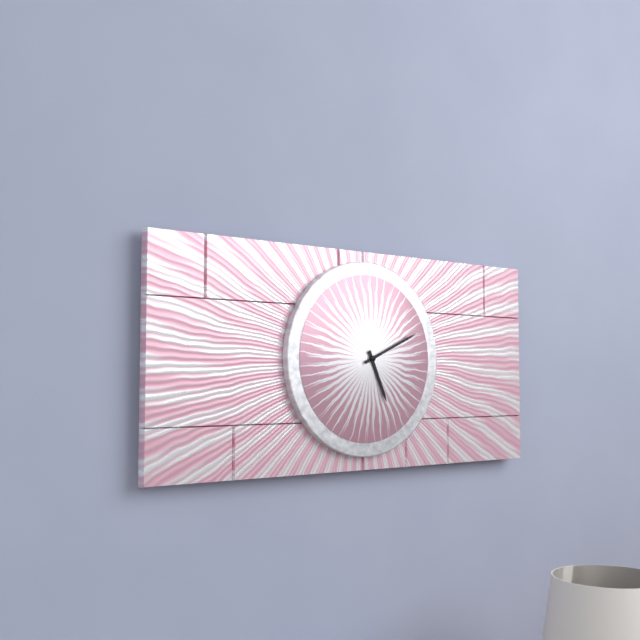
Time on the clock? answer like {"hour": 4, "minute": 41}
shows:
{"hour": 5, "minute": 11}
